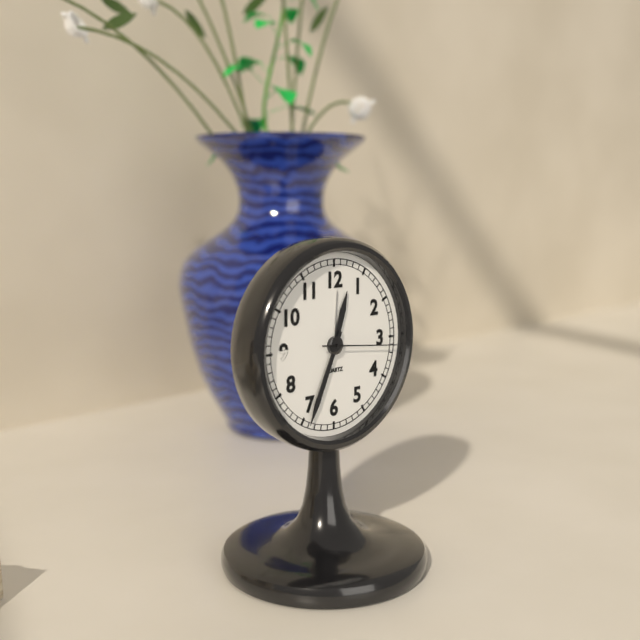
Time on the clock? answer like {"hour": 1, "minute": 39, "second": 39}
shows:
{"hour": 12, "minute": 34, "second": 16}
